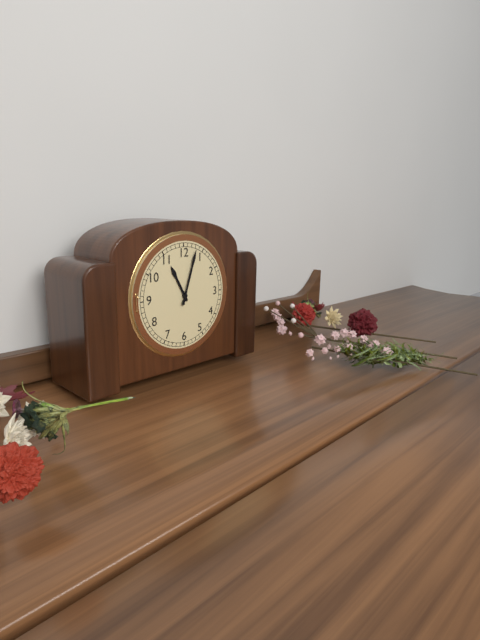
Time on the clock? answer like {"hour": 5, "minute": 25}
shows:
{"hour": 11, "minute": 3}
